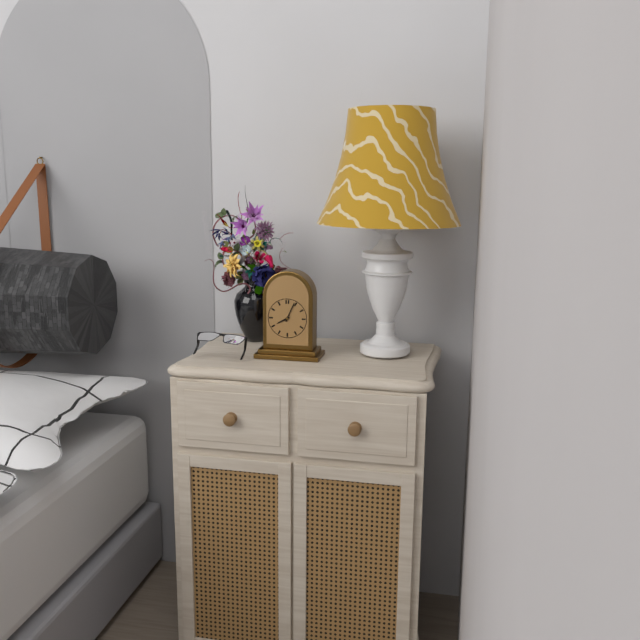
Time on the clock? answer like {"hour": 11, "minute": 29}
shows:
{"hour": 8, "minute": 4}
